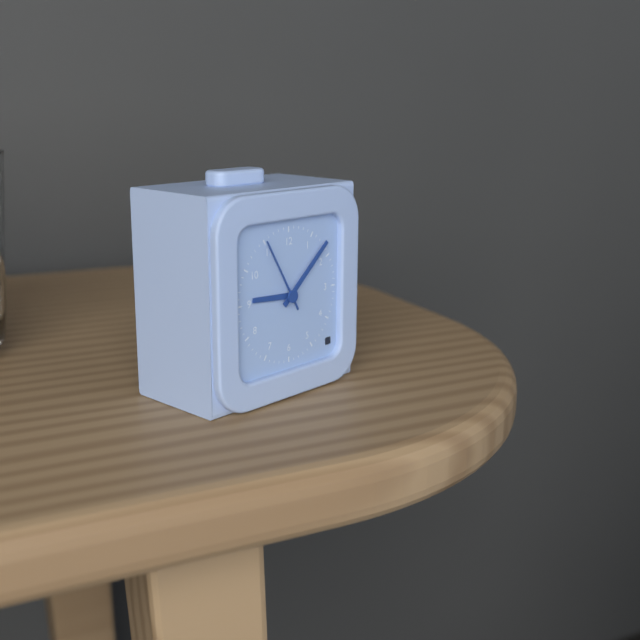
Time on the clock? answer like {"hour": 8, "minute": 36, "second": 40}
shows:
{"hour": 9, "minute": 8, "second": 55}
